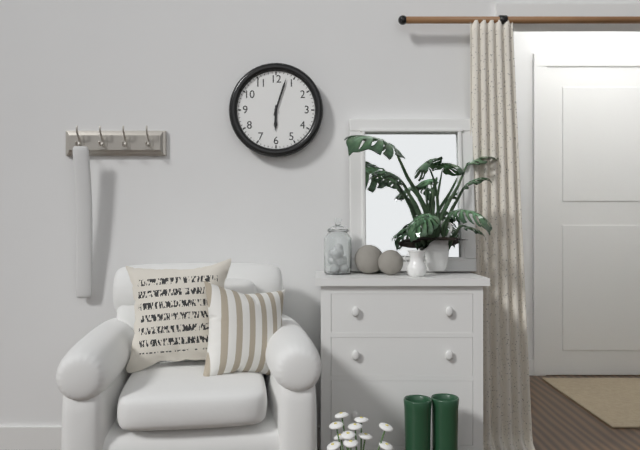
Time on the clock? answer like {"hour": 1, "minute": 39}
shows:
{"hour": 6, "minute": 3}
